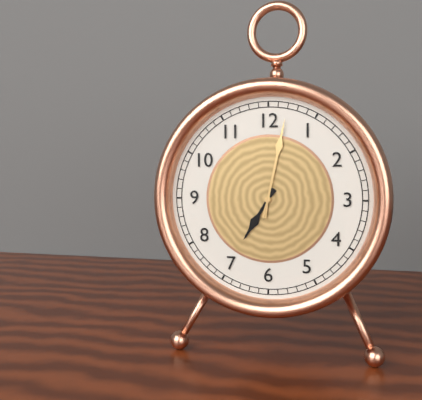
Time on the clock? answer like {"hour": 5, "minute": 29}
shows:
{"hour": 7, "minute": 2}
